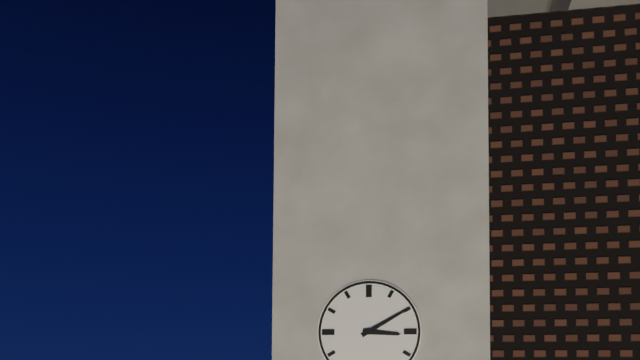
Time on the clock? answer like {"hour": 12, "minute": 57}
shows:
{"hour": 3, "minute": 10}
